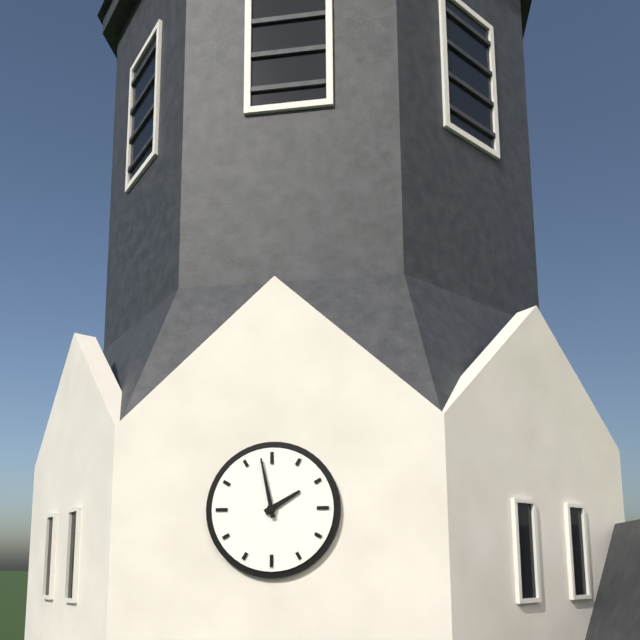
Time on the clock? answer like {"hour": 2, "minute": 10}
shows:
{"hour": 1, "minute": 58}
